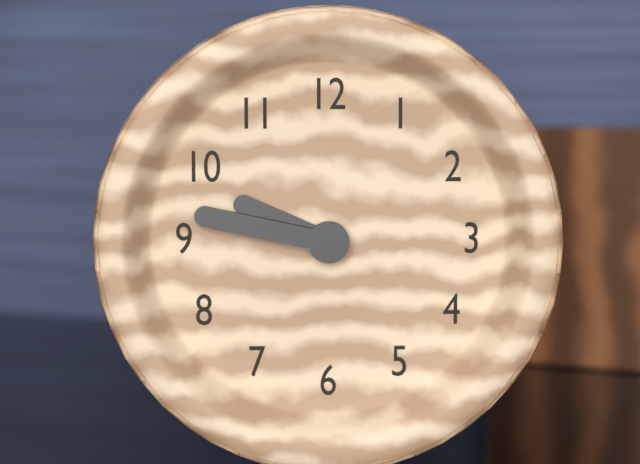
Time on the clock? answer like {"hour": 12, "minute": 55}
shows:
{"hour": 9, "minute": 47}
